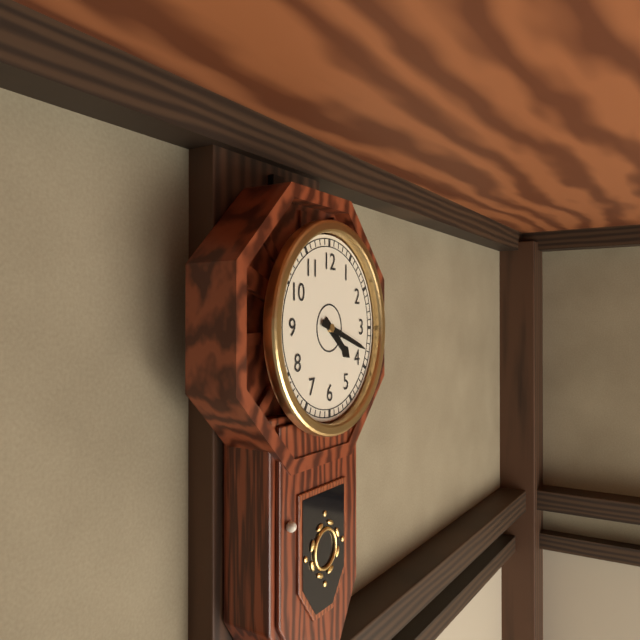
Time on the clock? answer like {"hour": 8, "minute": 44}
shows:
{"hour": 4, "minute": 18}
